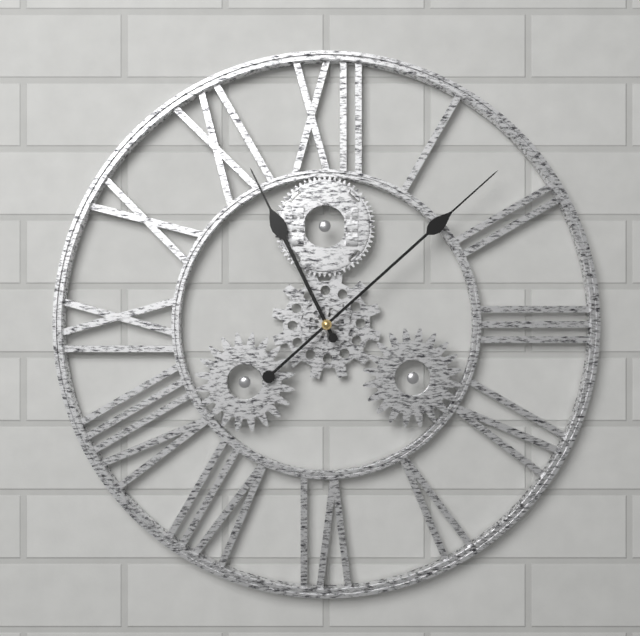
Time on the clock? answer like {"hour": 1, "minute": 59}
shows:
{"hour": 11, "minute": 8}
